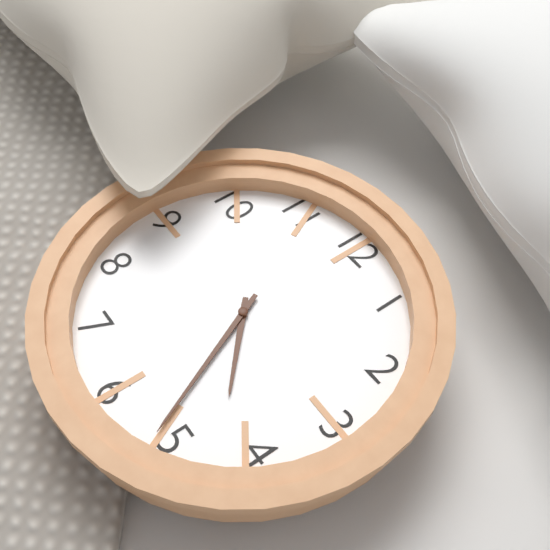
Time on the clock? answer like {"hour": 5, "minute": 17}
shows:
{"hour": 4, "minute": 26}
